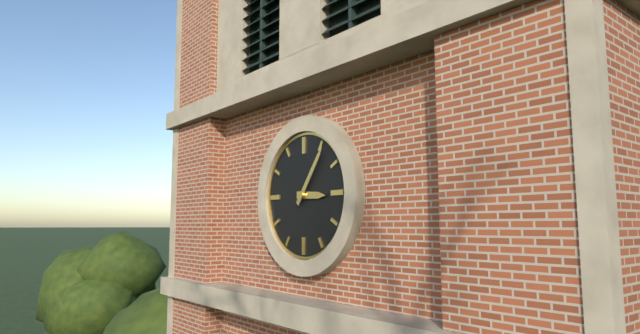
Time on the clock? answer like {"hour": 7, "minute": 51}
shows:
{"hour": 3, "minute": 6}
